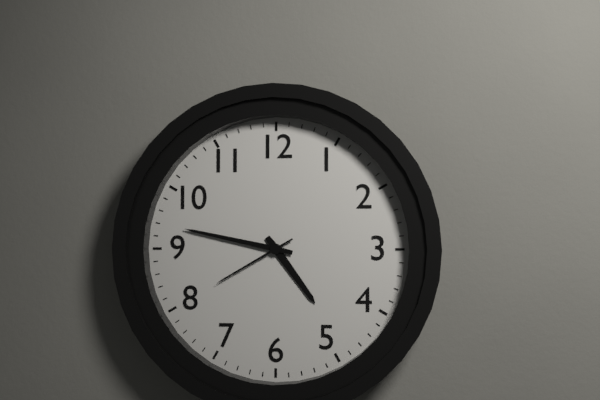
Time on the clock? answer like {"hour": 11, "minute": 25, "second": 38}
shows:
{"hour": 4, "minute": 47, "second": 40}
